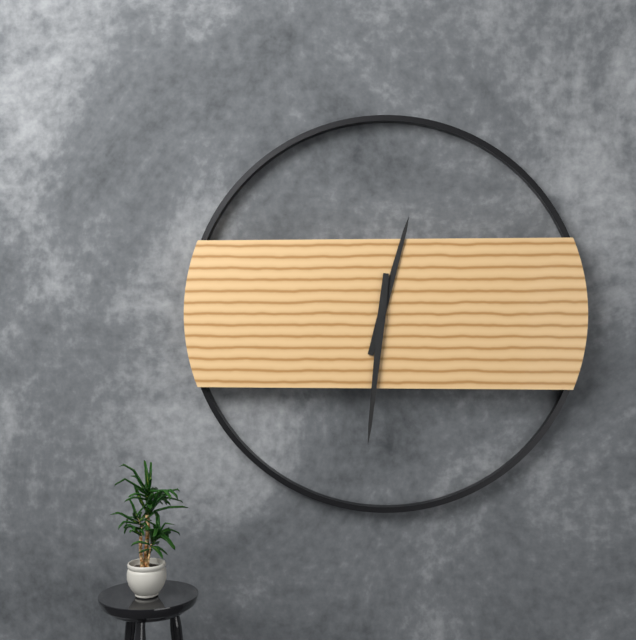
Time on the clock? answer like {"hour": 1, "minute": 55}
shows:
{"hour": 12, "minute": 31}
